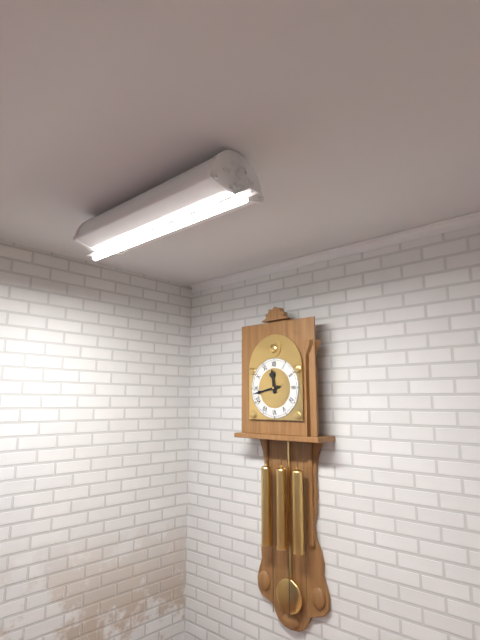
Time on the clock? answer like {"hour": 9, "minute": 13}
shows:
{"hour": 11, "minute": 43}
